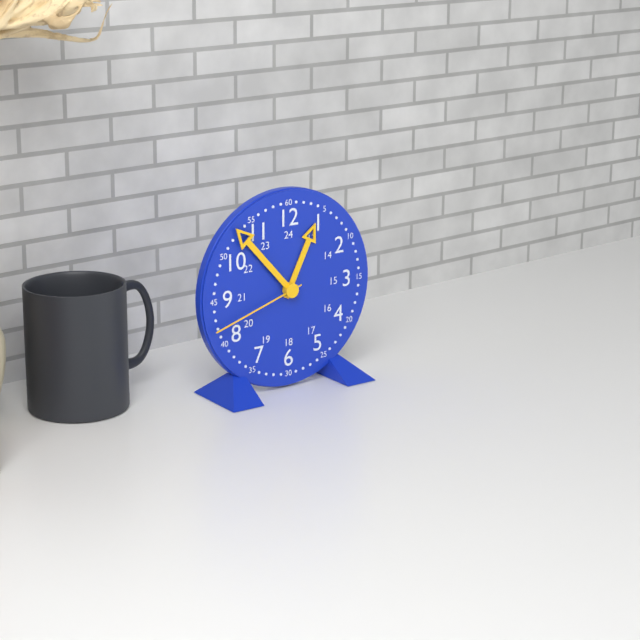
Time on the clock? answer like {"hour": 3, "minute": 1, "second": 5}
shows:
{"hour": 12, "minute": 53, "second": 42}
